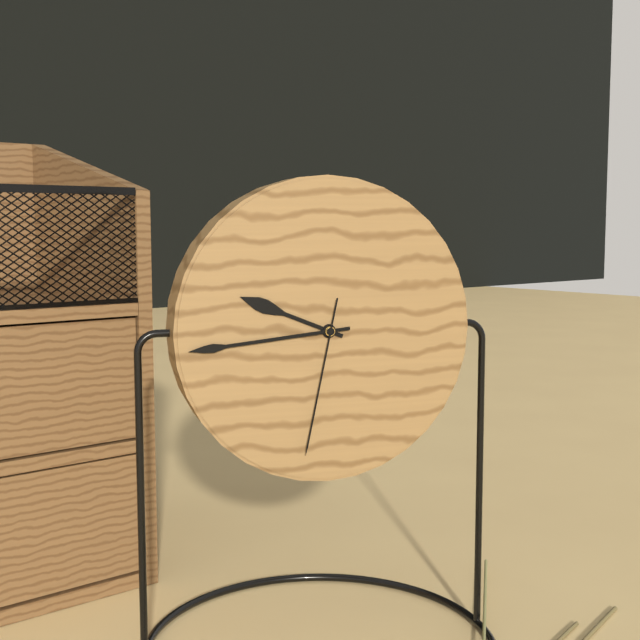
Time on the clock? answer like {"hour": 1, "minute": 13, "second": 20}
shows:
{"hour": 9, "minute": 44, "second": 32}
